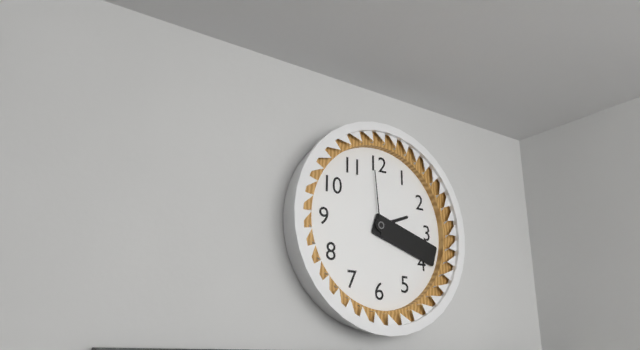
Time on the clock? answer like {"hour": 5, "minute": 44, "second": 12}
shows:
{"hour": 2, "minute": 18, "second": 59}
